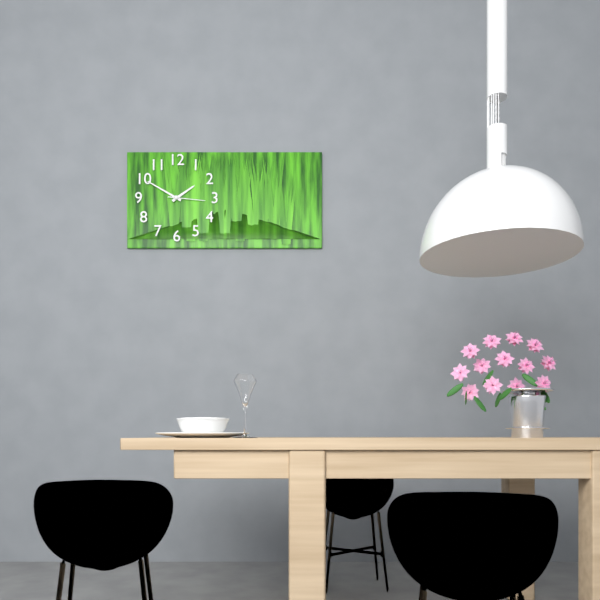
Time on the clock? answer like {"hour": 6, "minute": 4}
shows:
{"hour": 1, "minute": 50}
